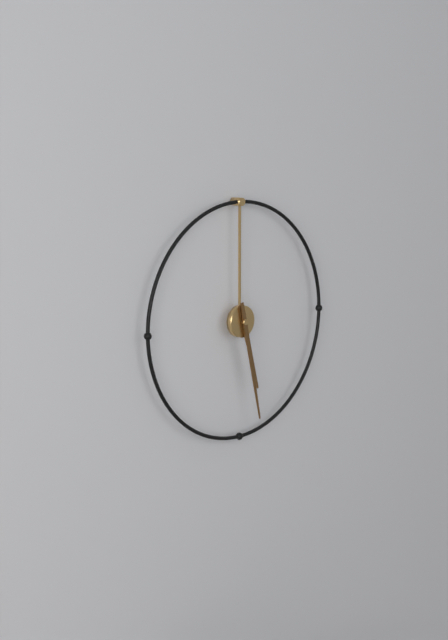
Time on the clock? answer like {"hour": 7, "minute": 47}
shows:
{"hour": 5, "minute": 28}
